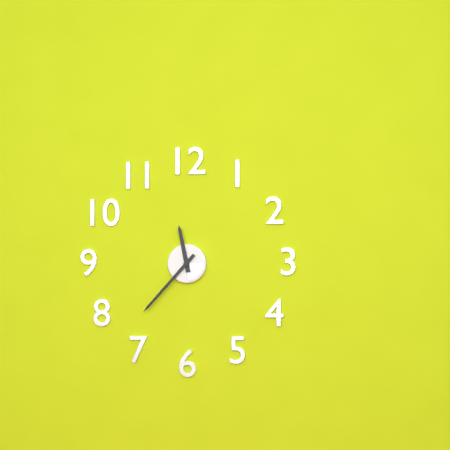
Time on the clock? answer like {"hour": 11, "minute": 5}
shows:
{"hour": 11, "minute": 37}
